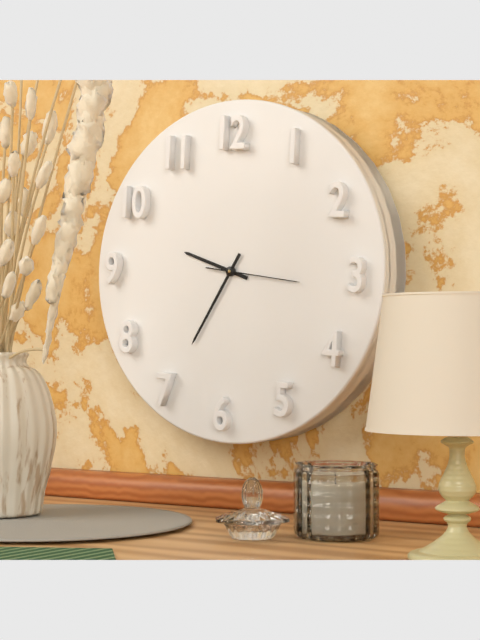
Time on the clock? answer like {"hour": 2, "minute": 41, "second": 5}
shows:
{"hour": 9, "minute": 35, "second": 16}
